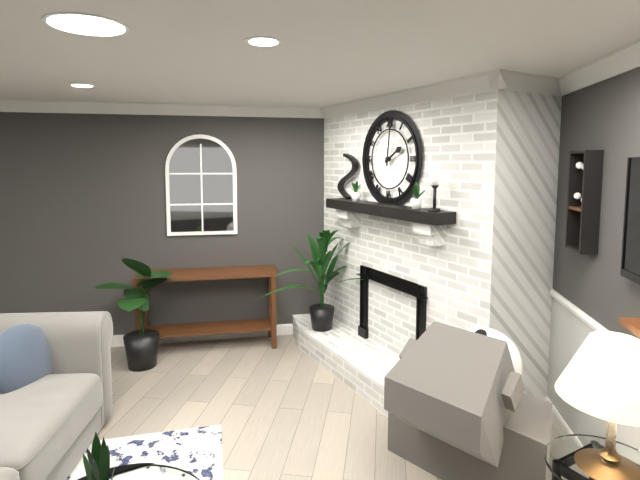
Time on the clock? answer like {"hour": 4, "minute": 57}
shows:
{"hour": 2, "minute": 1}
